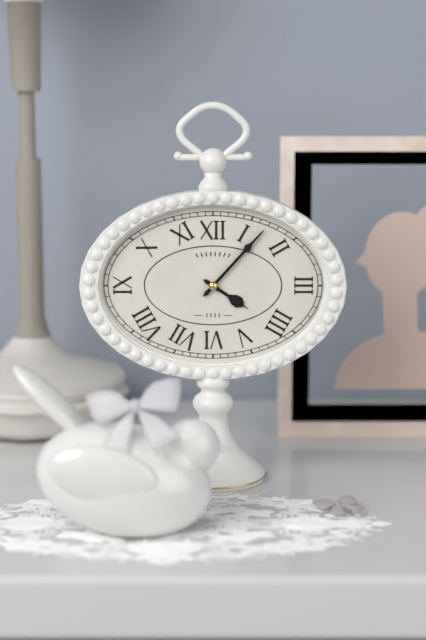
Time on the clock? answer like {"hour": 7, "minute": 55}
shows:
{"hour": 4, "minute": 7}
